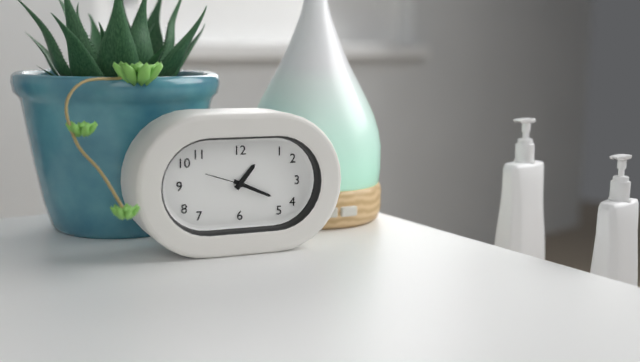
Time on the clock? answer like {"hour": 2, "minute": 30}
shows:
{"hour": 1, "minute": 19}
